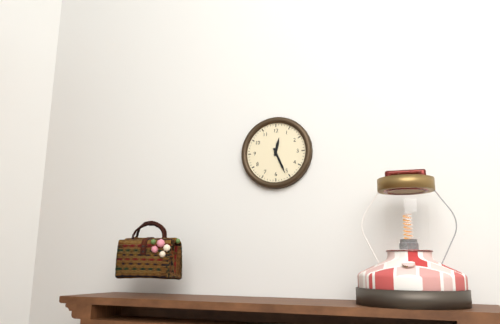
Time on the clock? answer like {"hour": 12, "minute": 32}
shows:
{"hour": 12, "minute": 26}
